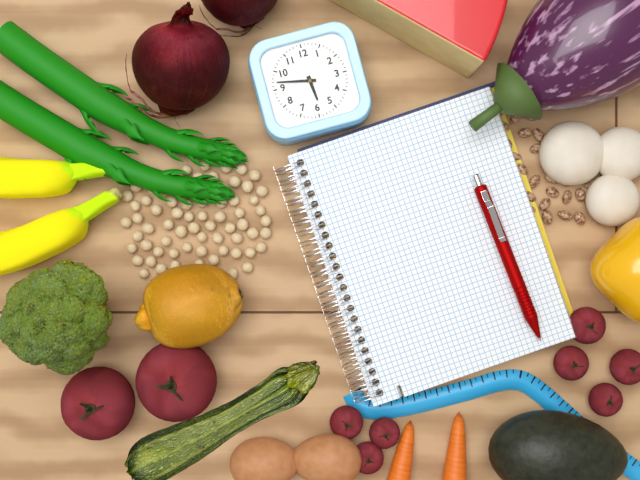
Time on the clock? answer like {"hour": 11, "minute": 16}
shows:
{"hour": 5, "minute": 47}
